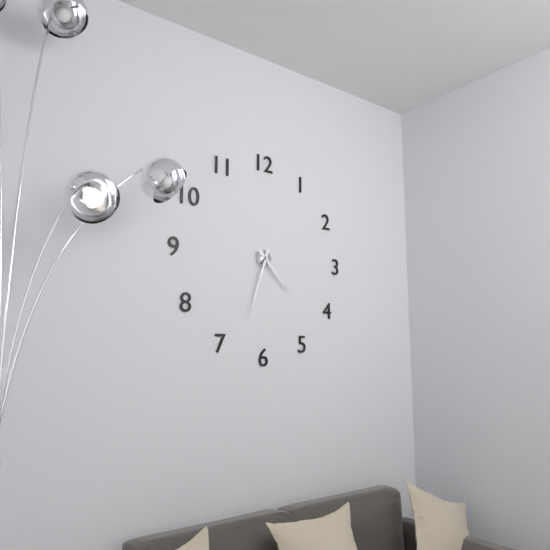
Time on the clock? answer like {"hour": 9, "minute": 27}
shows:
{"hour": 4, "minute": 33}
